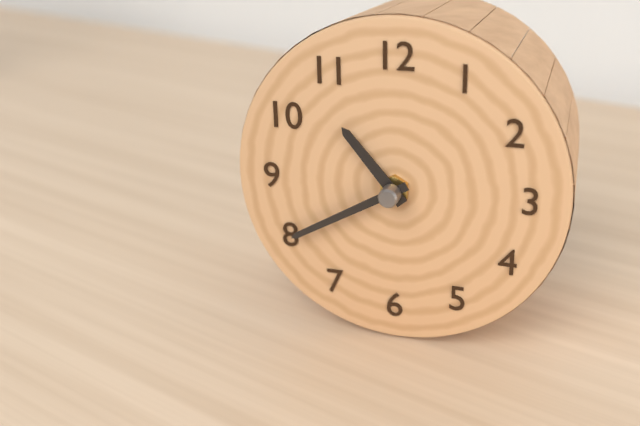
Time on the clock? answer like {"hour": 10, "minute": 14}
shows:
{"hour": 10, "minute": 40}
